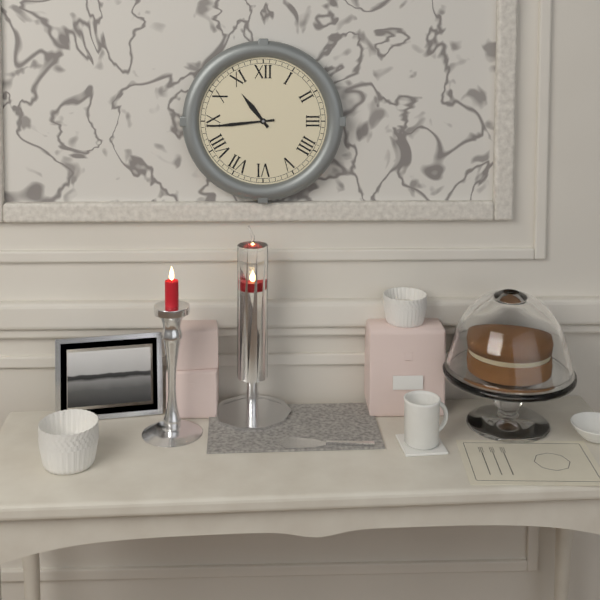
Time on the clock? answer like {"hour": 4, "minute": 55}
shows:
{"hour": 10, "minute": 44}
